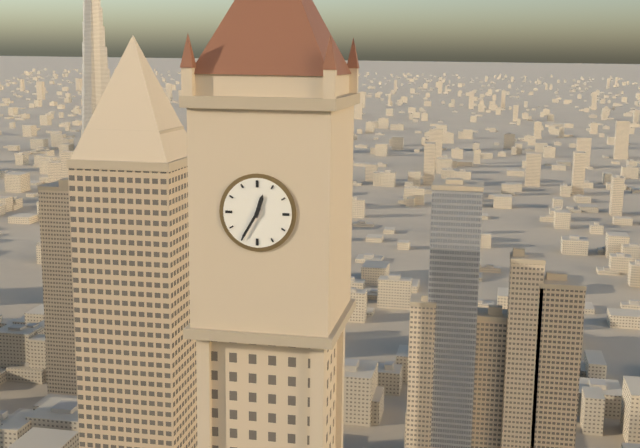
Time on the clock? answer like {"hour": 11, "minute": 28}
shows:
{"hour": 12, "minute": 35}
